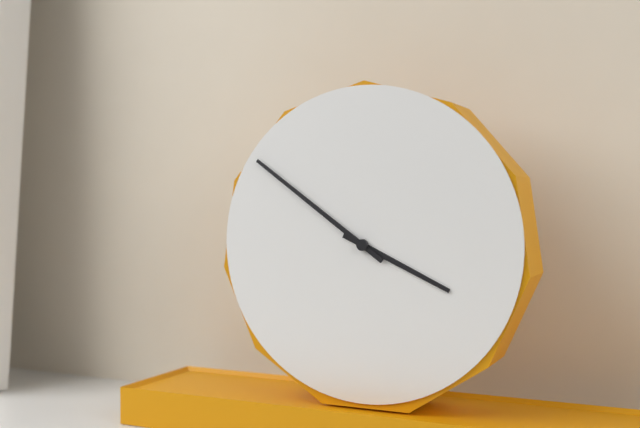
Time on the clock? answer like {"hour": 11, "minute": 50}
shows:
{"hour": 3, "minute": 51}
